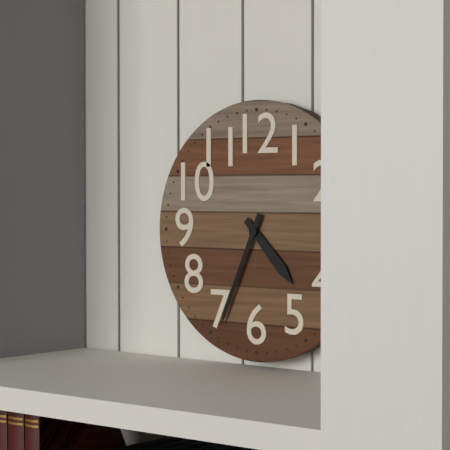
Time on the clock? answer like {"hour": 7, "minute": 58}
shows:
{"hour": 4, "minute": 34}
